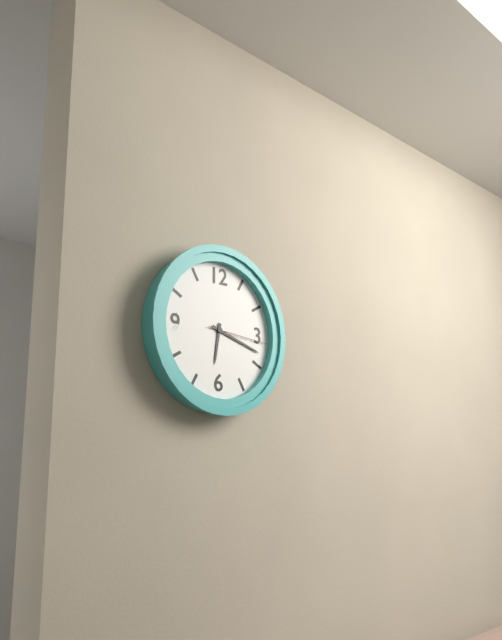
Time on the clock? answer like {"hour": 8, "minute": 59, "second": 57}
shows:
{"hour": 6, "minute": 18, "second": 16}
